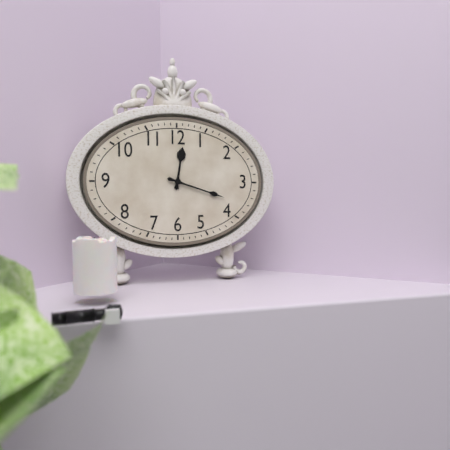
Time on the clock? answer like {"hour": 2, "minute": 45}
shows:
{"hour": 12, "minute": 18}
